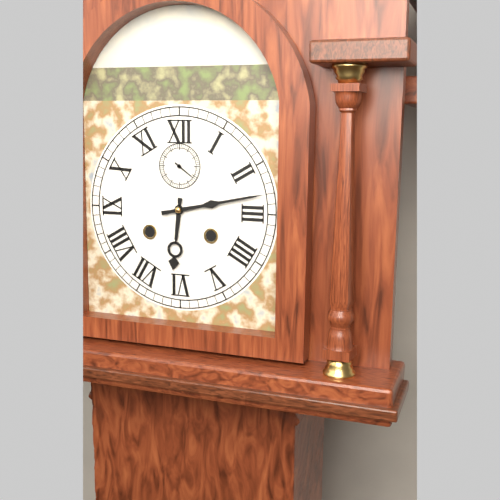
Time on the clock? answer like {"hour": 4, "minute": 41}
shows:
{"hour": 6, "minute": 13}
